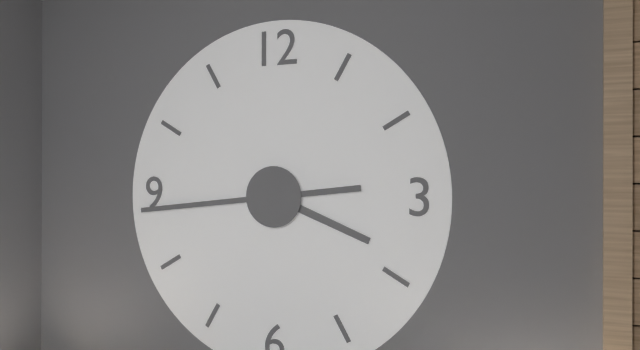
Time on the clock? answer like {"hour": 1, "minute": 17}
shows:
{"hour": 3, "minute": 44}
